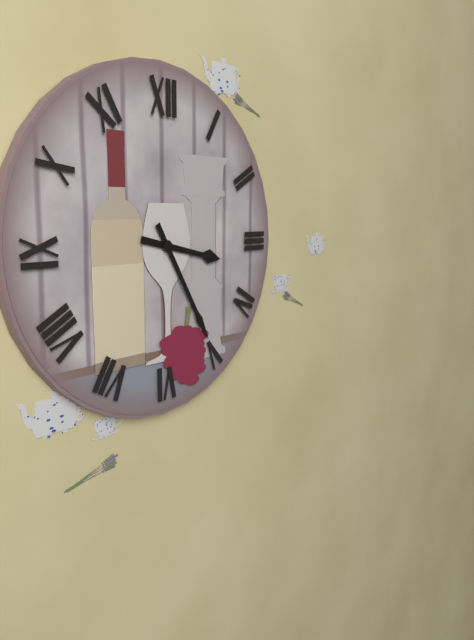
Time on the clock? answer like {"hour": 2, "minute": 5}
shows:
{"hour": 3, "minute": 25}
